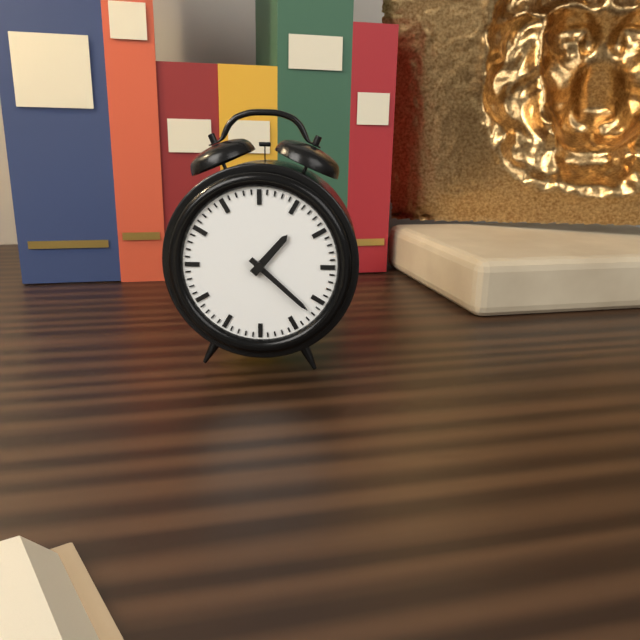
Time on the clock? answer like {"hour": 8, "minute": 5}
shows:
{"hour": 1, "minute": 22}
